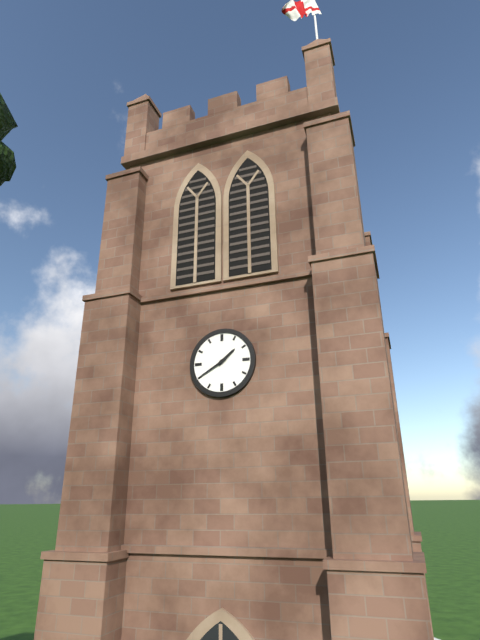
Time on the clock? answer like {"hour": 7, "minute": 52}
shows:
{"hour": 1, "minute": 40}
